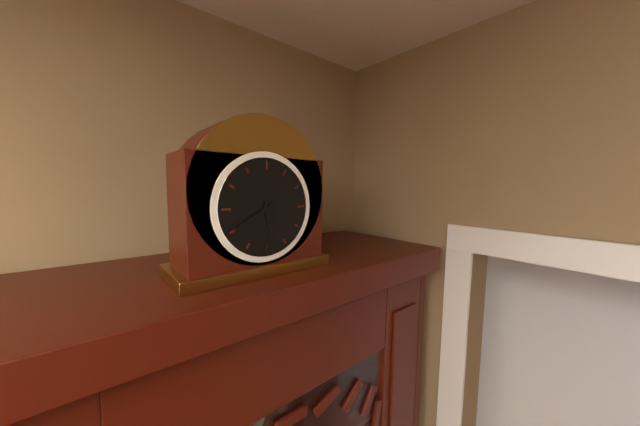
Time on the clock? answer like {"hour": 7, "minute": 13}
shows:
{"hour": 5, "minute": 40}
